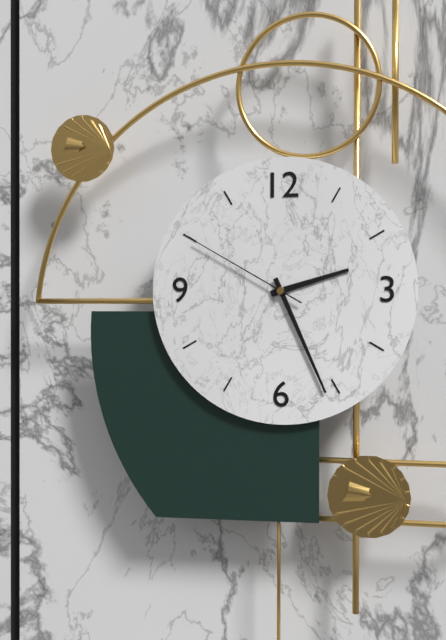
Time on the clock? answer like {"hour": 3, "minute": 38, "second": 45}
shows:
{"hour": 2, "minute": 26, "second": 50}
